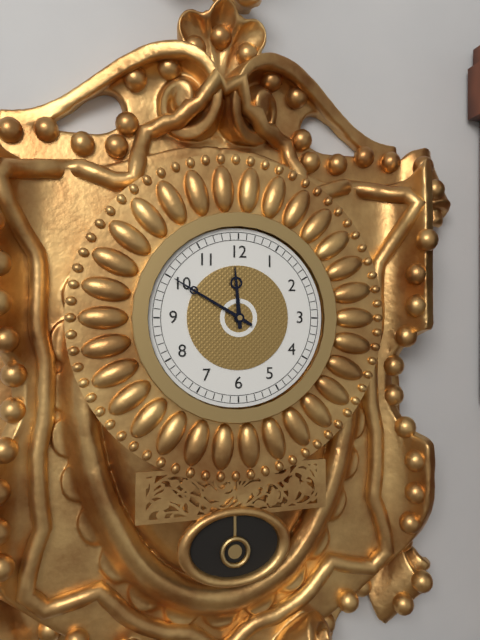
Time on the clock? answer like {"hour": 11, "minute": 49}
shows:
{"hour": 11, "minute": 50}
